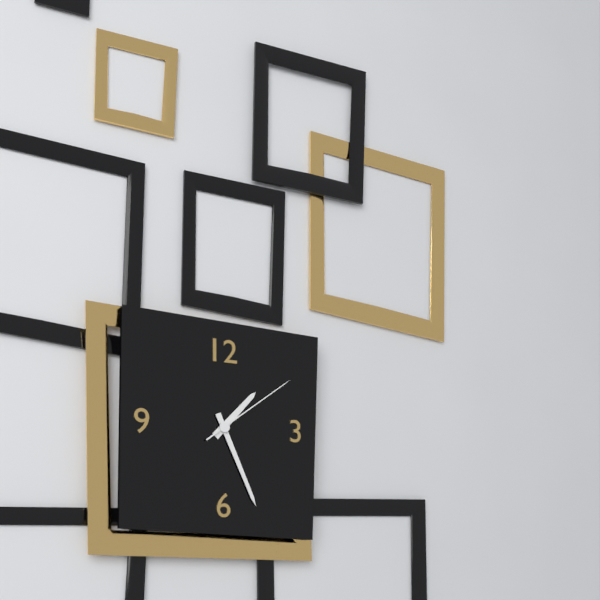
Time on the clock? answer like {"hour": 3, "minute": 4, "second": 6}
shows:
{"hour": 1, "minute": 26, "second": 9}
